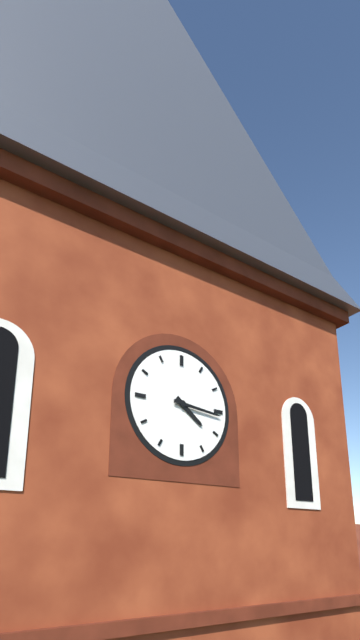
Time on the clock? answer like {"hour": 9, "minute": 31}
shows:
{"hour": 4, "minute": 16}
